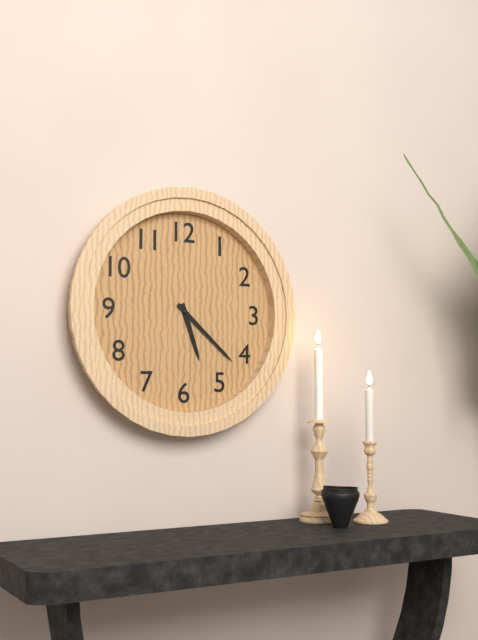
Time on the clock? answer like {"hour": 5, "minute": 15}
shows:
{"hour": 5, "minute": 22}
